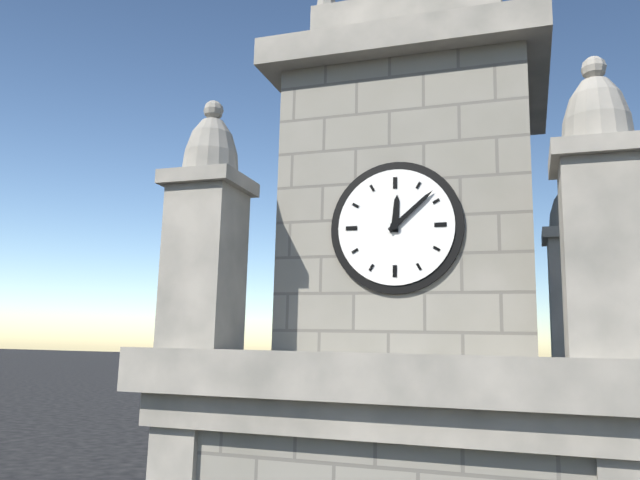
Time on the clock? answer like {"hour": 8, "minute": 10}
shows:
{"hour": 12, "minute": 8}
